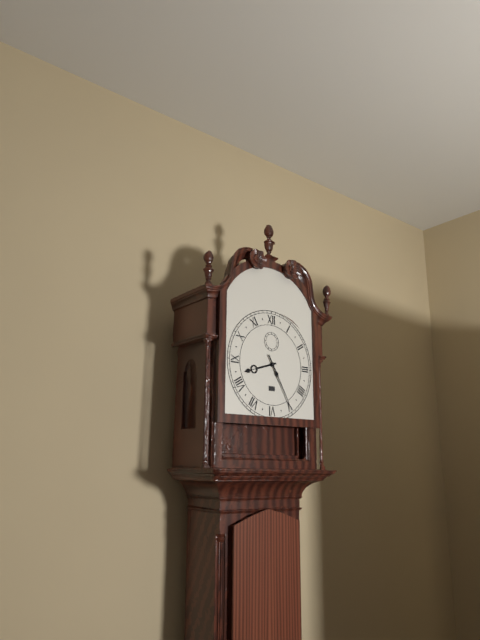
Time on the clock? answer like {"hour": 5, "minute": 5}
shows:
{"hour": 8, "minute": 25}
